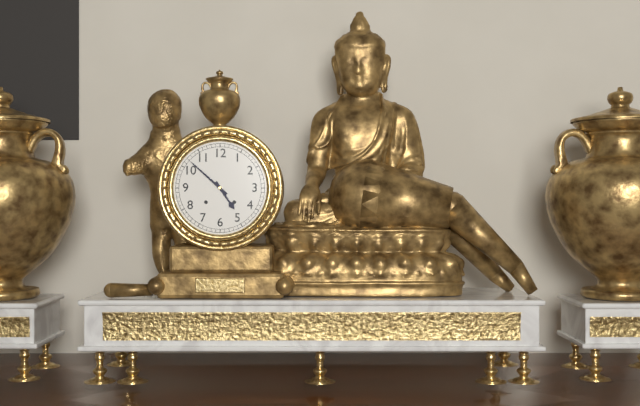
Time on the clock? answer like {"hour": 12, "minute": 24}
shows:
{"hour": 4, "minute": 52}
